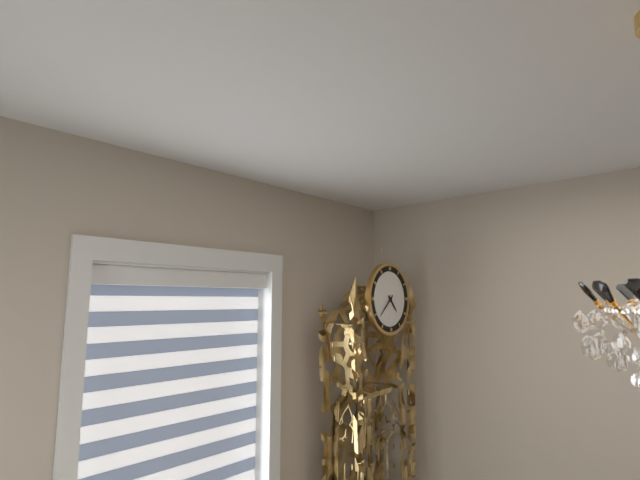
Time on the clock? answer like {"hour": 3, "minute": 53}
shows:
{"hour": 4, "minute": 38}
